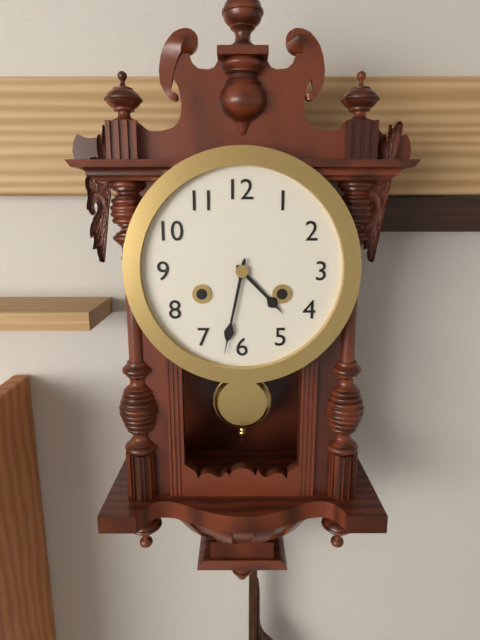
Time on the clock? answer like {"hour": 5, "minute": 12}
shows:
{"hour": 4, "minute": 32}
